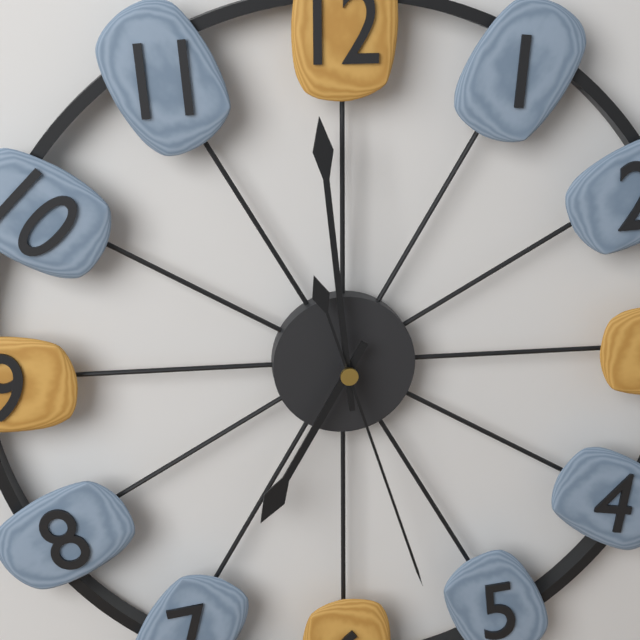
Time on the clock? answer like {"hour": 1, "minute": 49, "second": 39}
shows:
{"hour": 6, "minute": 59, "second": 27}
